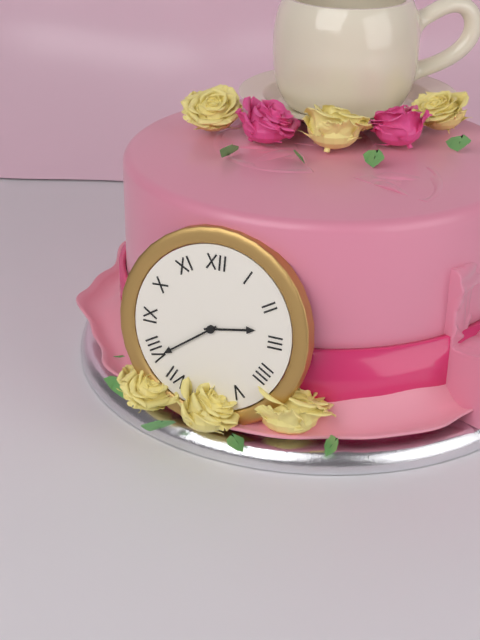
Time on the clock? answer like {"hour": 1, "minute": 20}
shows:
{"hour": 2, "minute": 39}
